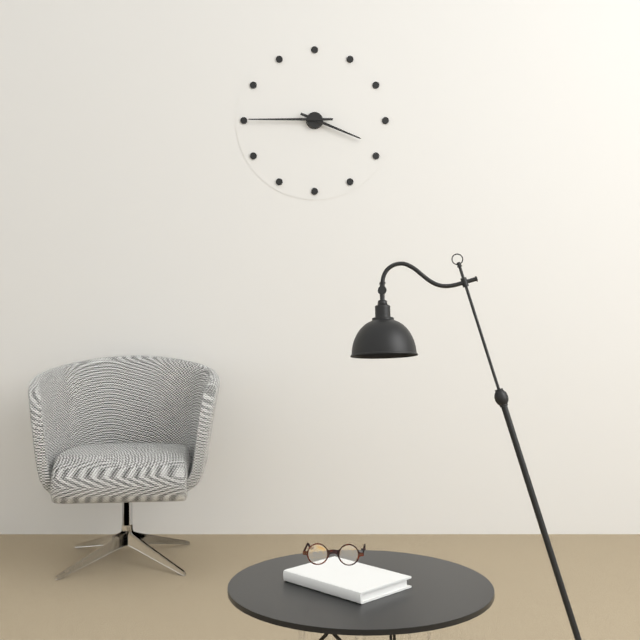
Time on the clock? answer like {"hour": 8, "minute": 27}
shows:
{"hour": 3, "minute": 45}
